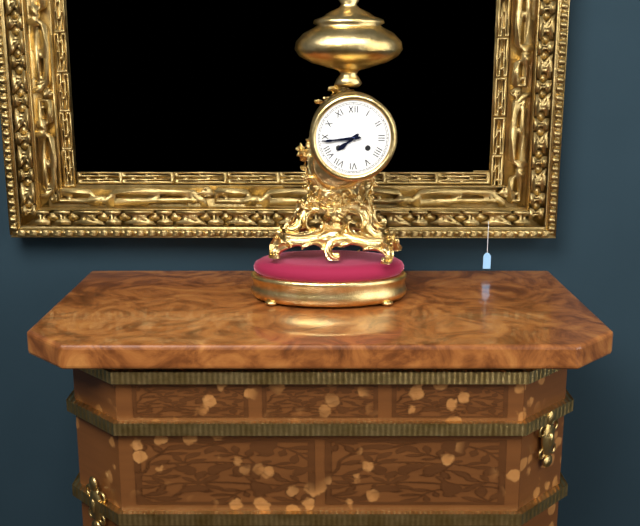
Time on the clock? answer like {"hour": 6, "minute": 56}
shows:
{"hour": 7, "minute": 44}
